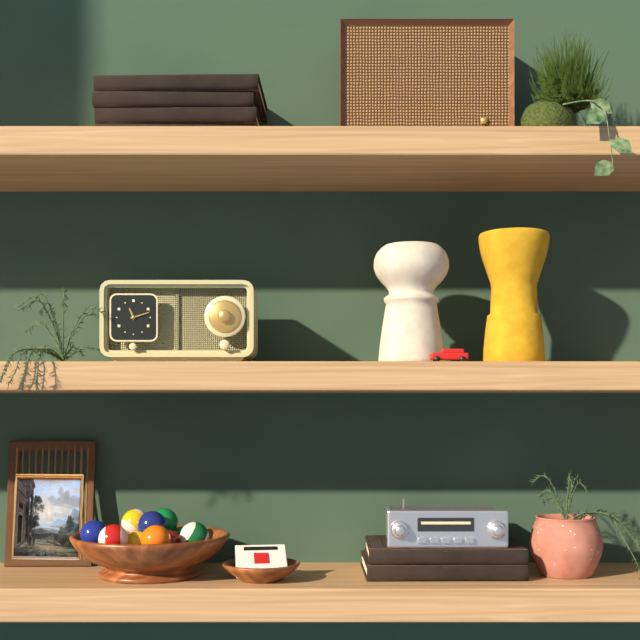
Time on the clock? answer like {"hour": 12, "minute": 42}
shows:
{"hour": 11, "minute": 12}
